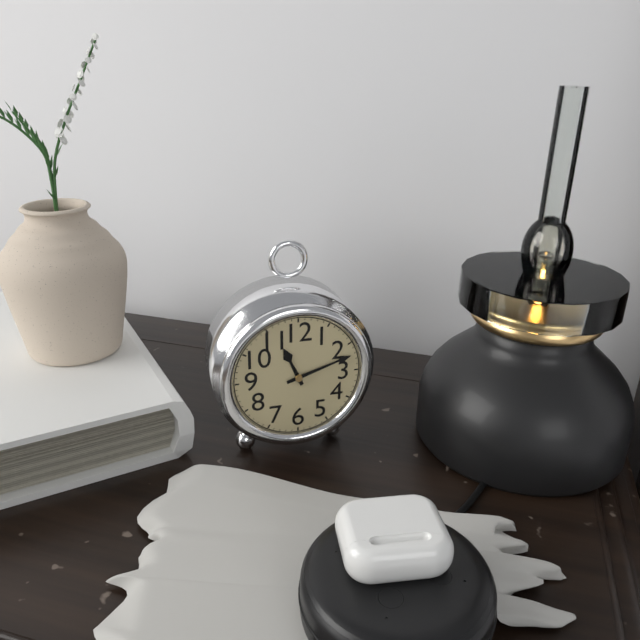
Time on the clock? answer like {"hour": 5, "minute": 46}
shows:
{"hour": 11, "minute": 12}
